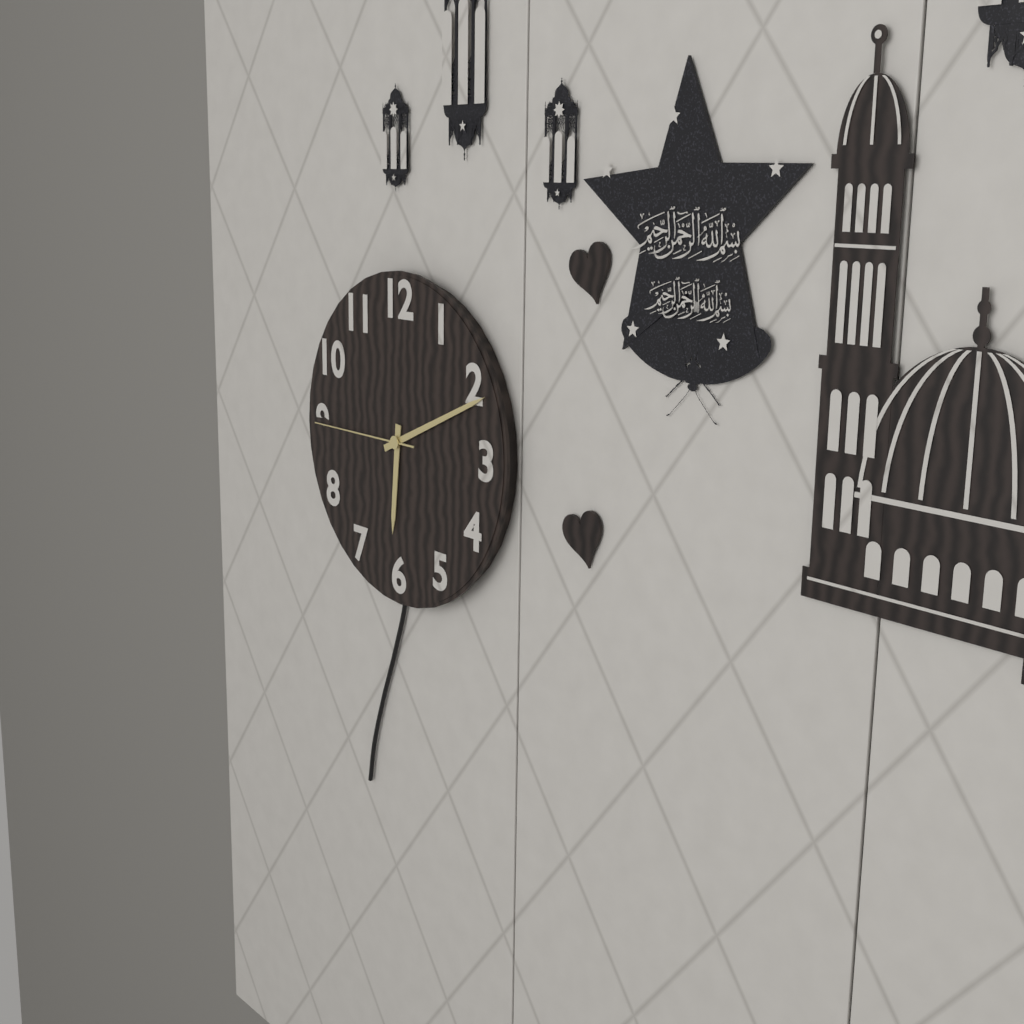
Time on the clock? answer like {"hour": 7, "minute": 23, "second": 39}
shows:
{"hour": 6, "minute": 11, "second": 45}
